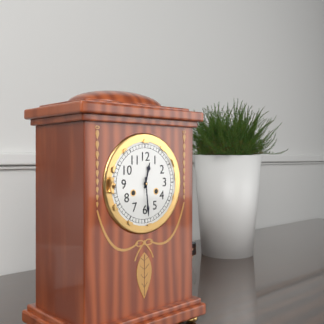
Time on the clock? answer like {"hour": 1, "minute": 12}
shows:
{"hour": 12, "minute": 29}
